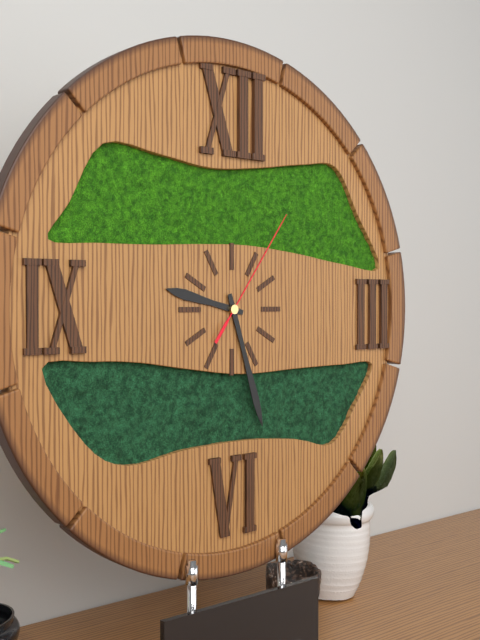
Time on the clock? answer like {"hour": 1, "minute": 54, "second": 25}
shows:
{"hour": 9, "minute": 27, "second": 6}
